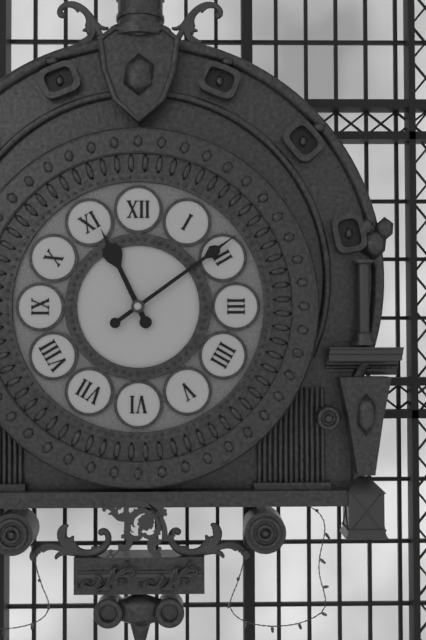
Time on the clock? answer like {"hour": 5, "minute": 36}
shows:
{"hour": 11, "minute": 9}
